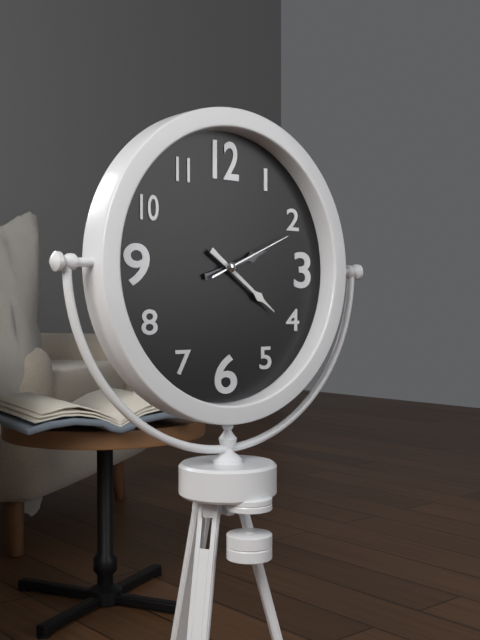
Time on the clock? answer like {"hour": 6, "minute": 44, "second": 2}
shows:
{"hour": 2, "minute": 21, "second": 11}
